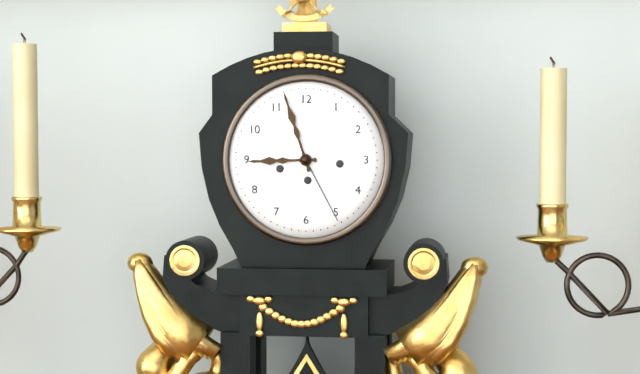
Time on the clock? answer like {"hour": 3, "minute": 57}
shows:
{"hour": 8, "minute": 57}
